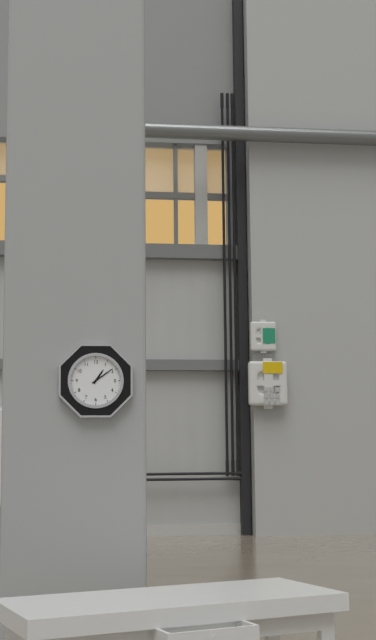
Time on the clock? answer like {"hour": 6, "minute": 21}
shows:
{"hour": 1, "minute": 9}
